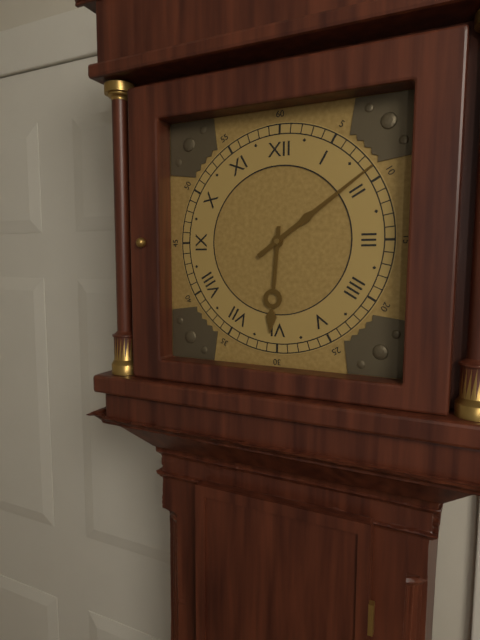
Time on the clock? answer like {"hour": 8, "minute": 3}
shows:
{"hour": 6, "minute": 9}
